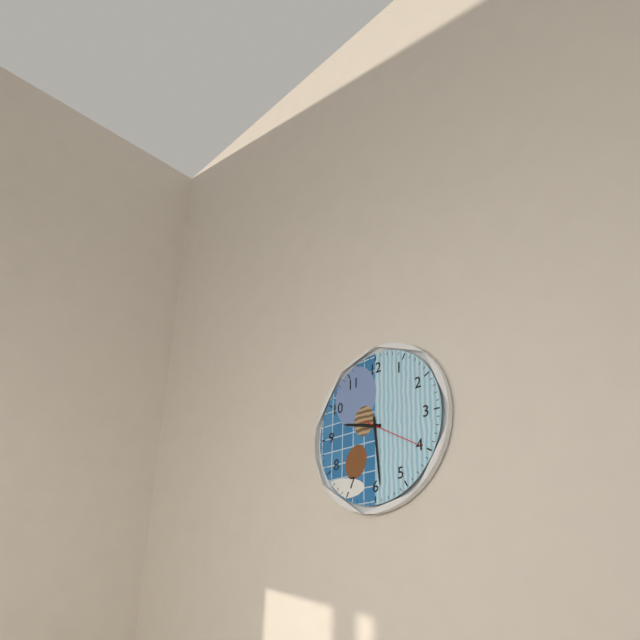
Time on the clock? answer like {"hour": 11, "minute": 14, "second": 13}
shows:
{"hour": 9, "minute": 29, "second": 20}
